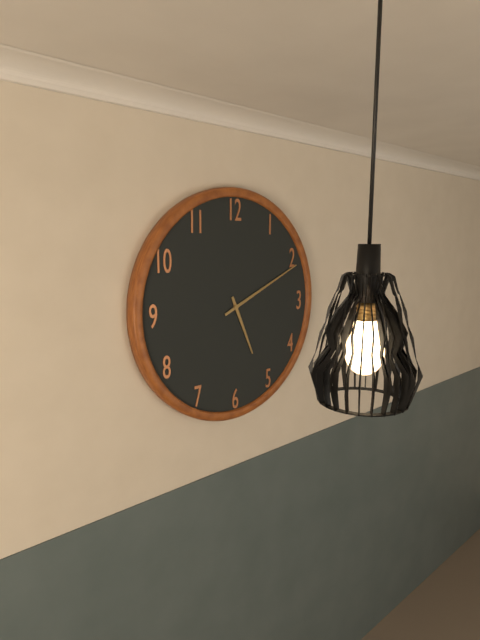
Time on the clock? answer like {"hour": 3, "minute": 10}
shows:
{"hour": 5, "minute": 11}
